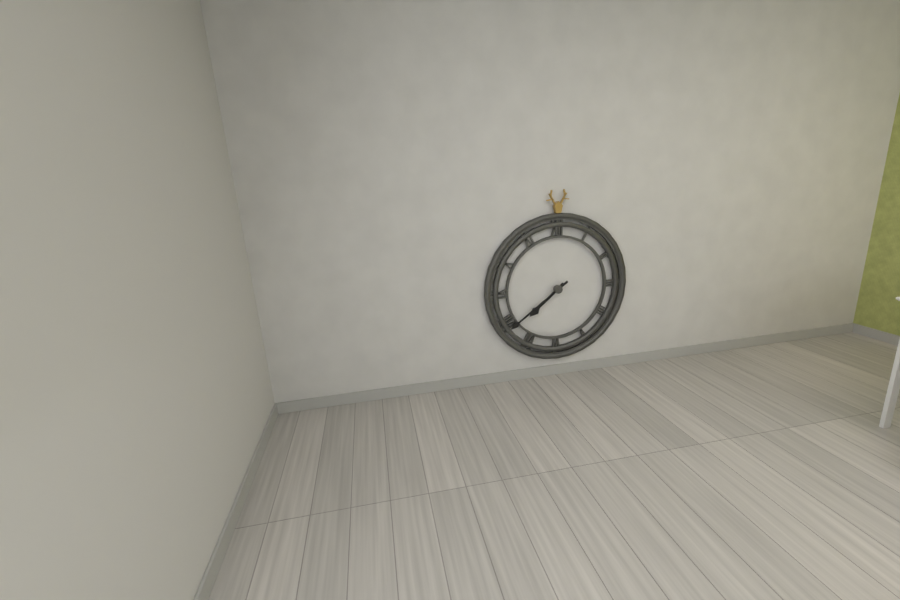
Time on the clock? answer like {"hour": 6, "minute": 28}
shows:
{"hour": 7, "minute": 39}
